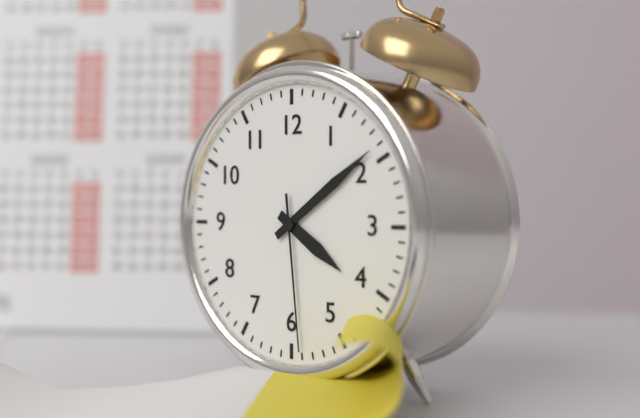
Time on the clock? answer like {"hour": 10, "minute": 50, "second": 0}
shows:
{"hour": 4, "minute": 9, "second": 29}
